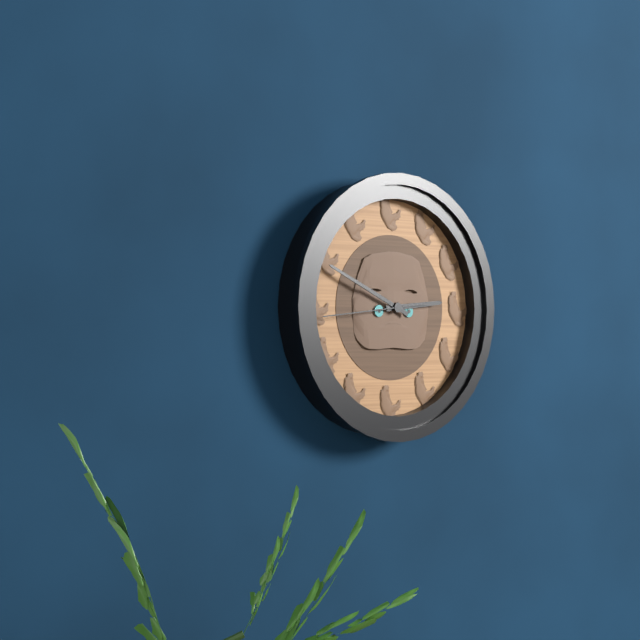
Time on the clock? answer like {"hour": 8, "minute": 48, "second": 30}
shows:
{"hour": 2, "minute": 49, "second": 44}
